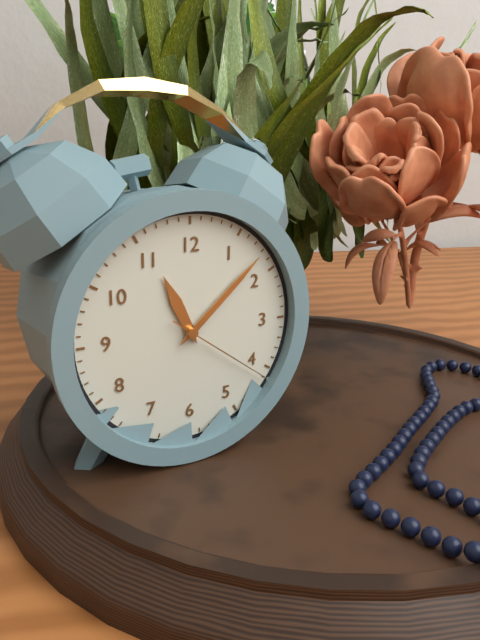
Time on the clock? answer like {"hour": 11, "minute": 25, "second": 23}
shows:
{"hour": 11, "minute": 8, "second": 21}
